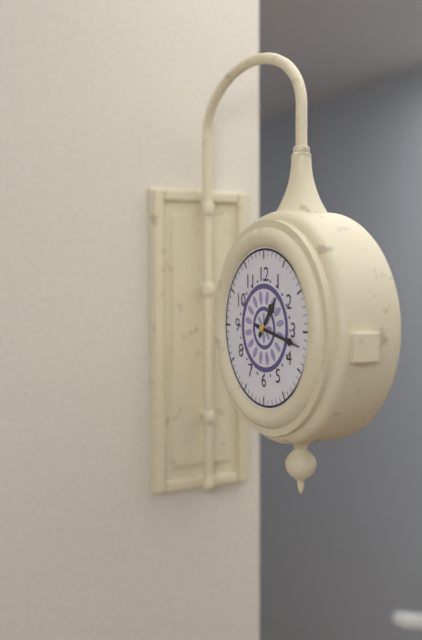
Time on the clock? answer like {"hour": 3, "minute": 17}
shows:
{"hour": 1, "minute": 17}
